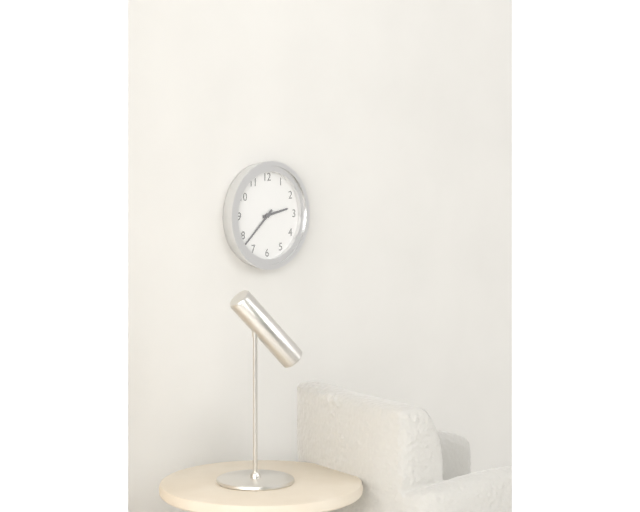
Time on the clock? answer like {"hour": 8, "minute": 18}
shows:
{"hour": 2, "minute": 38}
